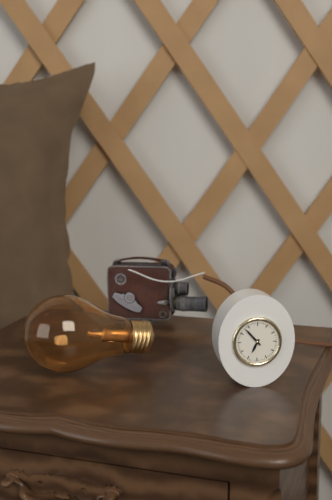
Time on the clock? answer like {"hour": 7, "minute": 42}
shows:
{"hour": 6, "minute": 53}
